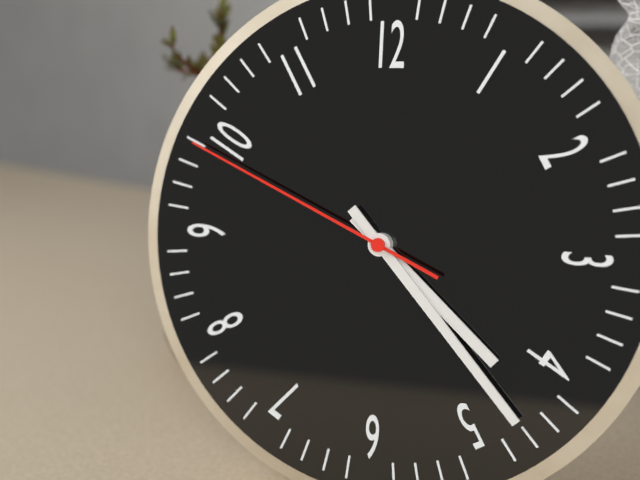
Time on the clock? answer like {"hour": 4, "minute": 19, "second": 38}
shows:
{"hour": 4, "minute": 23, "second": 49}
